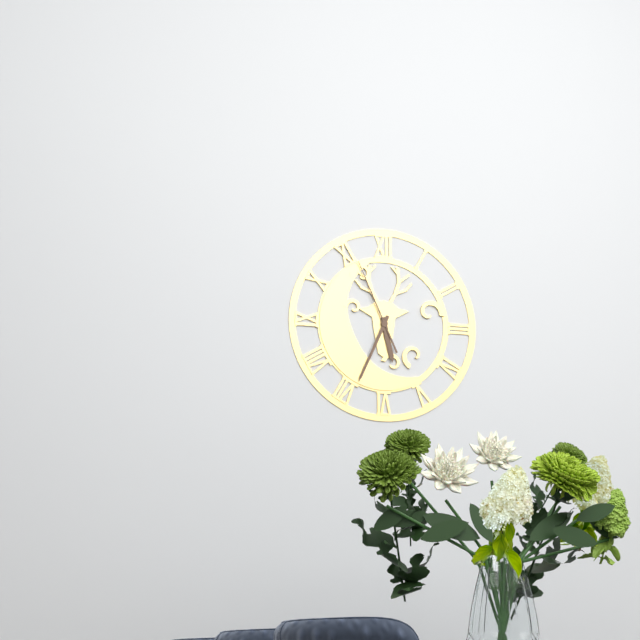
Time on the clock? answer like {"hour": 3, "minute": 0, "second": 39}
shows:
{"hour": 5, "minute": 34, "second": 56}
